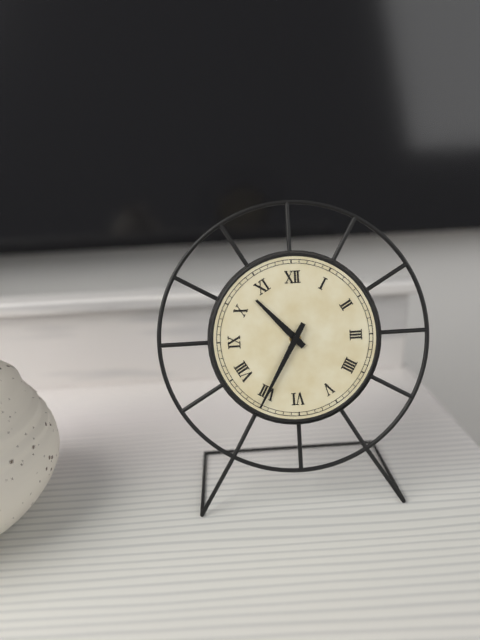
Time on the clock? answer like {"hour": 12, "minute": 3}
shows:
{"hour": 10, "minute": 35}
